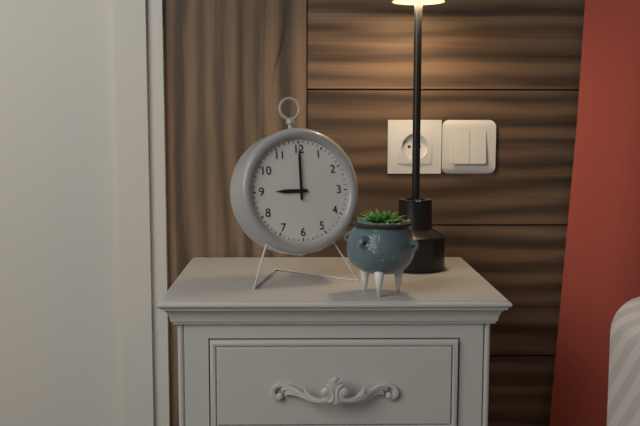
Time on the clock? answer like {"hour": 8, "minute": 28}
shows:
{"hour": 9, "minute": 0}
